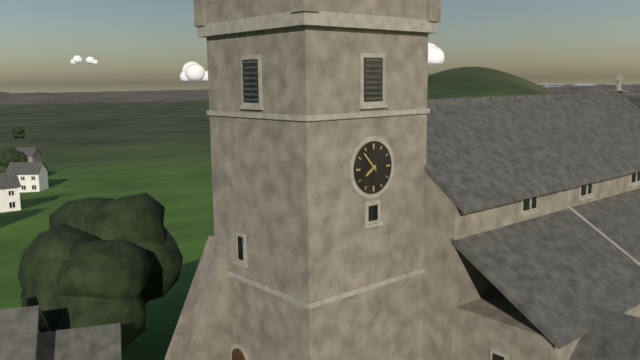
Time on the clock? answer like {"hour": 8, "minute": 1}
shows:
{"hour": 7, "minute": 53}
